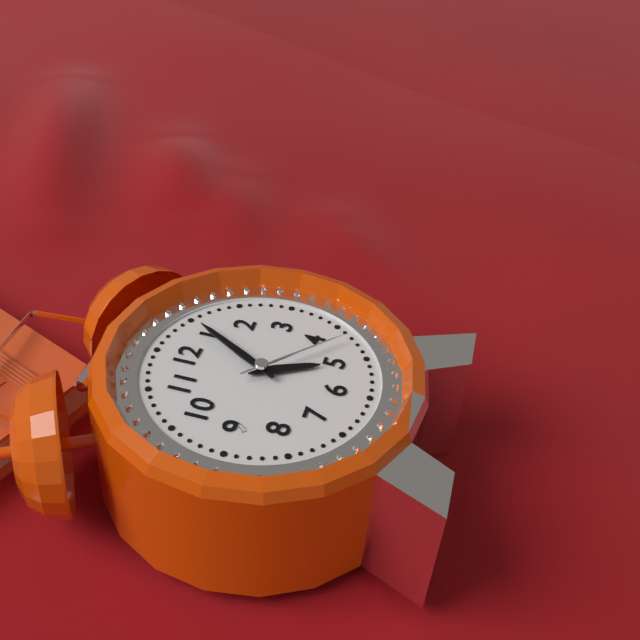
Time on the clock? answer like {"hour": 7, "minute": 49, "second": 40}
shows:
{"hour": 5, "minute": 5, "second": 22}
